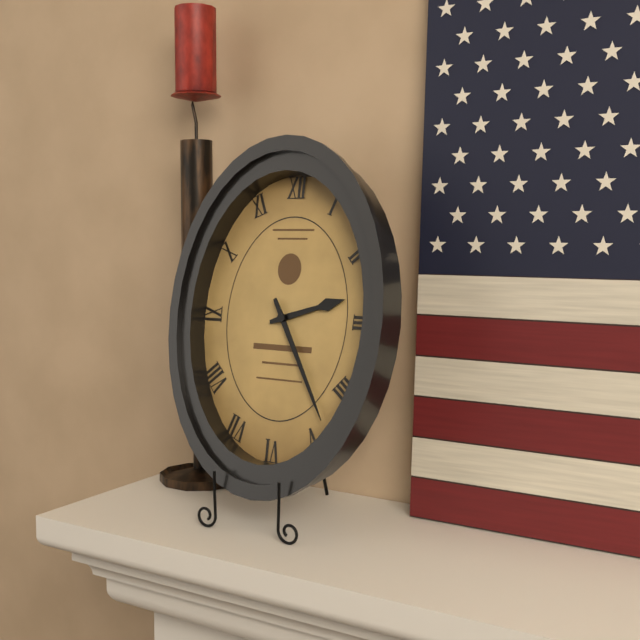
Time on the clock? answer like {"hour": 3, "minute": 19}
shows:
{"hour": 2, "minute": 25}
